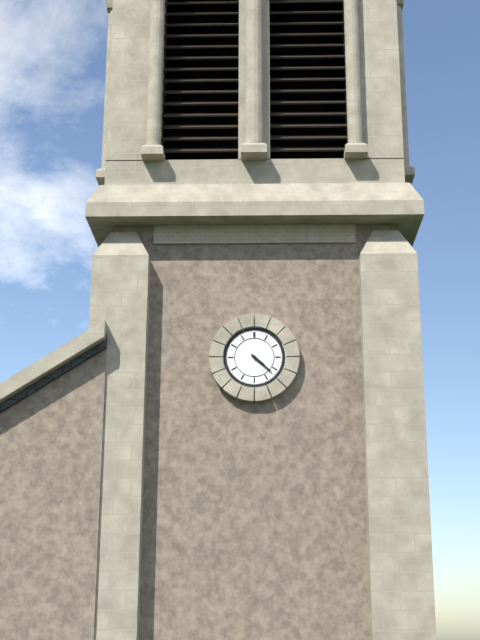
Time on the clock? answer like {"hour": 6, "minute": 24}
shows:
{"hour": 4, "minute": 22}
